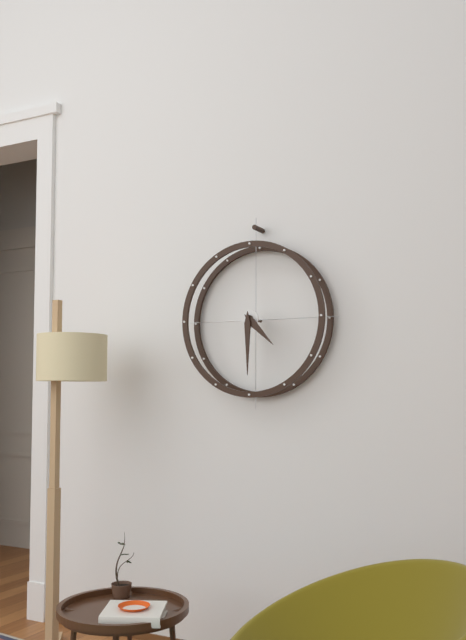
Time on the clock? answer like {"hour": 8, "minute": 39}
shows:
{"hour": 4, "minute": 30}
